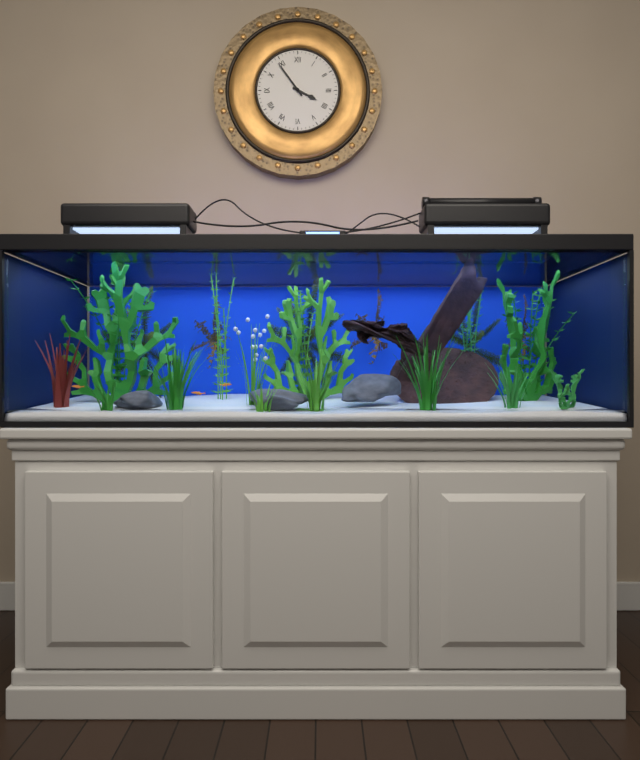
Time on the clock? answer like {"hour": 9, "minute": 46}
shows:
{"hour": 3, "minute": 54}
